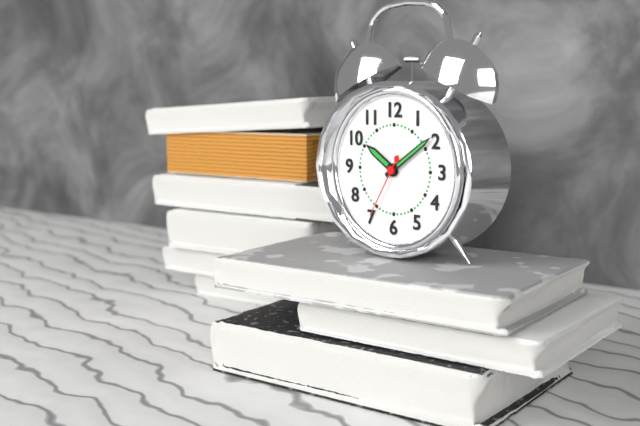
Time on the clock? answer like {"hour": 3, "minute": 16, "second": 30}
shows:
{"hour": 10, "minute": 9, "second": 35}
